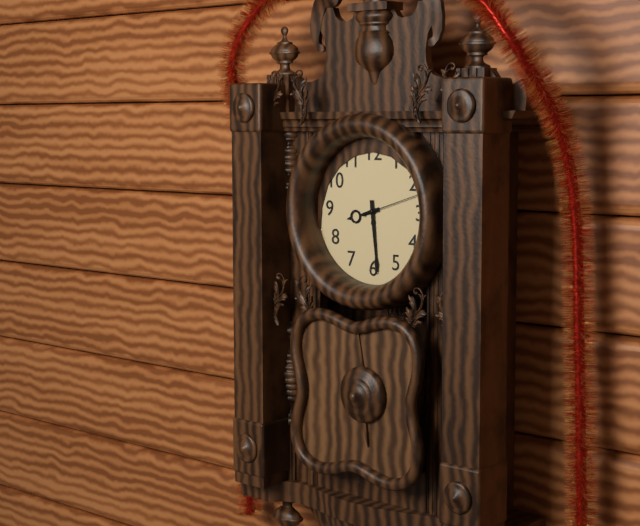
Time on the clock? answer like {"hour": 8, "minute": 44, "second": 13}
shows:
{"hour": 8, "minute": 29, "second": 12}
